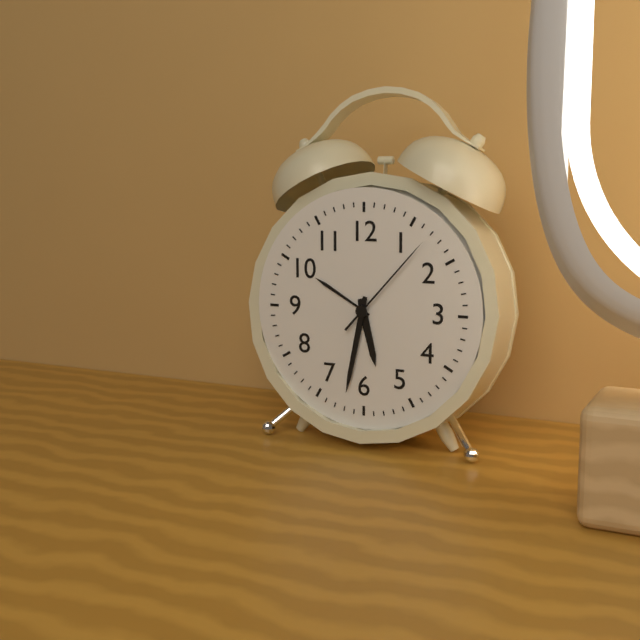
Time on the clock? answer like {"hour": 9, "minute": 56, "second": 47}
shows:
{"hour": 5, "minute": 32, "second": 7}
